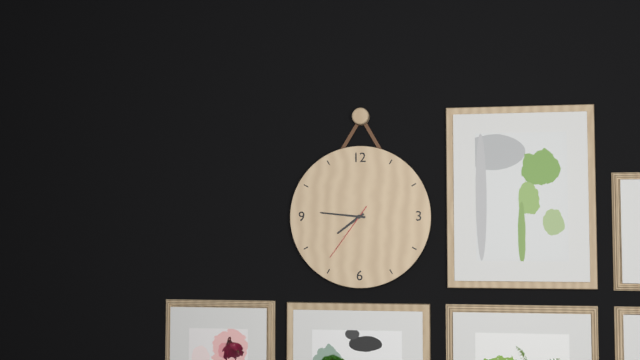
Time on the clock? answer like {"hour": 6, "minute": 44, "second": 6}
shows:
{"hour": 7, "minute": 46, "second": 36}
